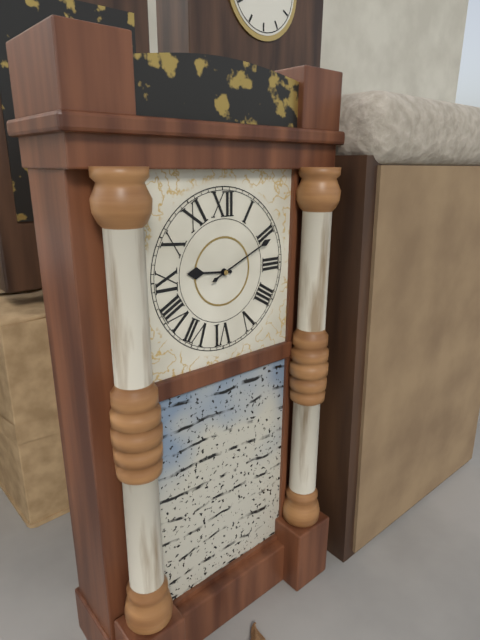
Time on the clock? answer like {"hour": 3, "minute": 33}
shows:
{"hour": 9, "minute": 11}
